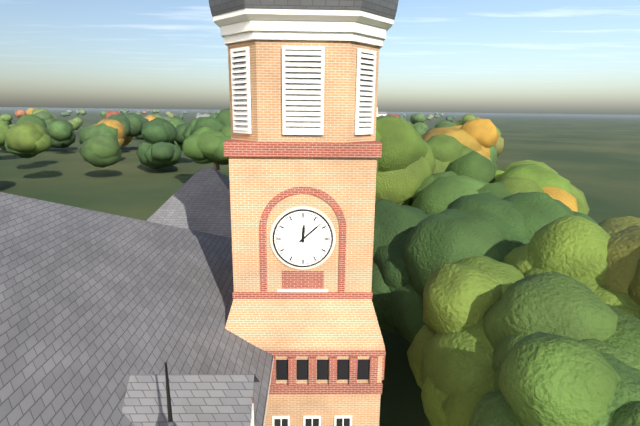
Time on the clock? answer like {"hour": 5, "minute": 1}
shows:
{"hour": 12, "minute": 8}
